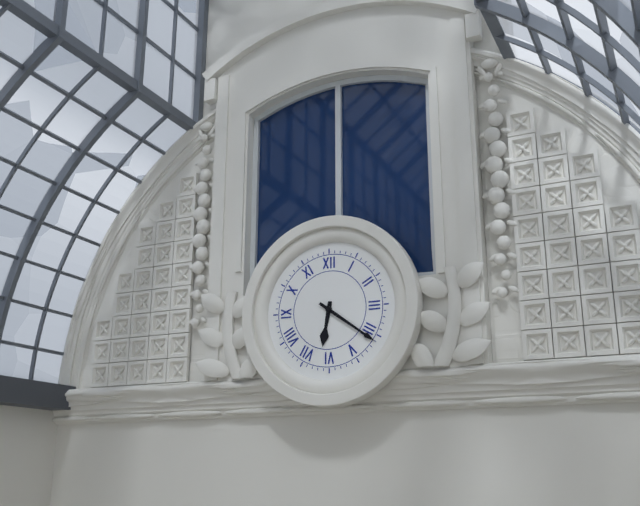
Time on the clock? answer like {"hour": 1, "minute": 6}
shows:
{"hour": 6, "minute": 21}
